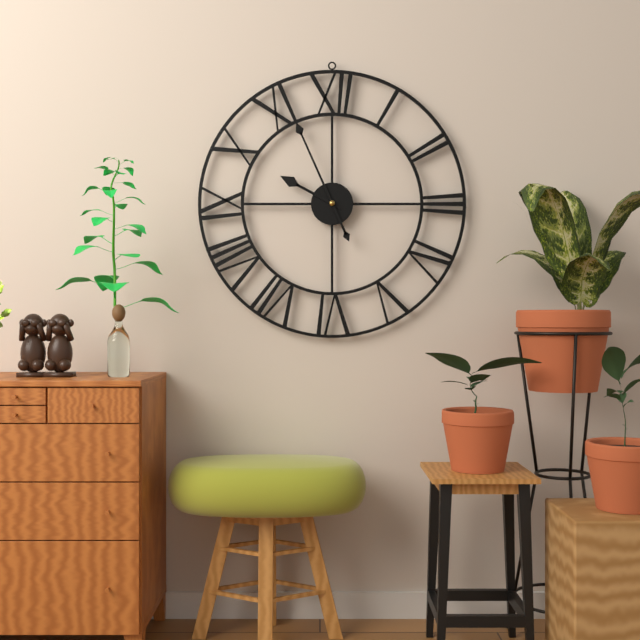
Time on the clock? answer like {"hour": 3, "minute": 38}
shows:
{"hour": 9, "minute": 56}
